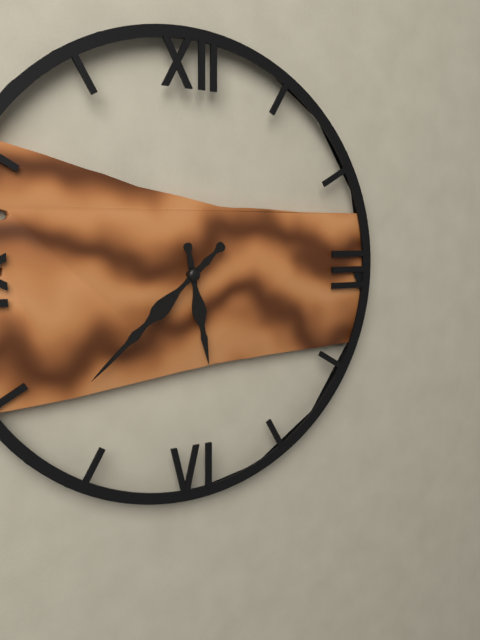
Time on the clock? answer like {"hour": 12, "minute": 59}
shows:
{"hour": 5, "minute": 38}
